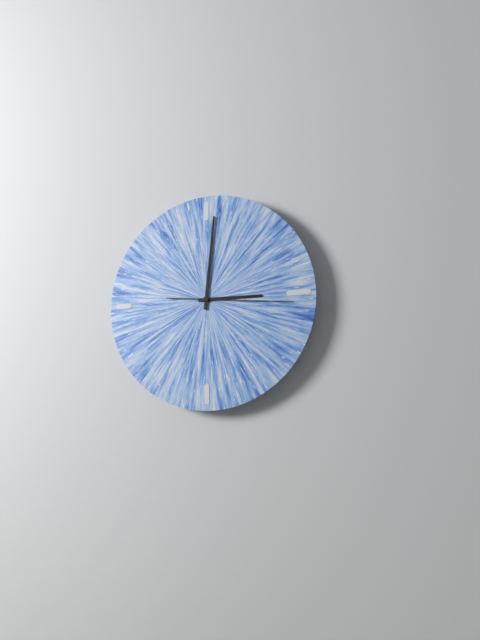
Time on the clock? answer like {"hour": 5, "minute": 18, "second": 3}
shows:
{"hour": 3, "minute": 1, "second": 16}
